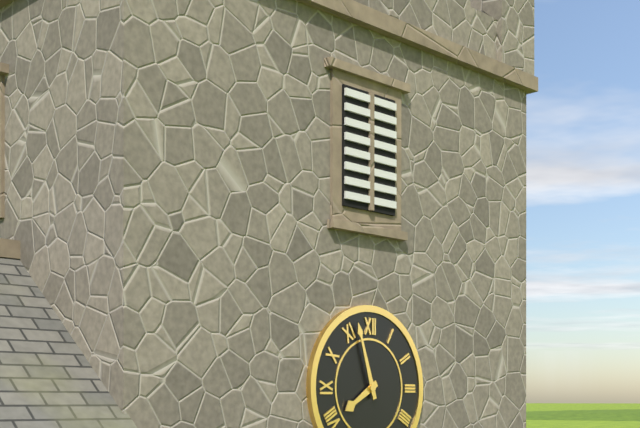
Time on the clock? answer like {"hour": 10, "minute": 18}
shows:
{"hour": 7, "minute": 57}
